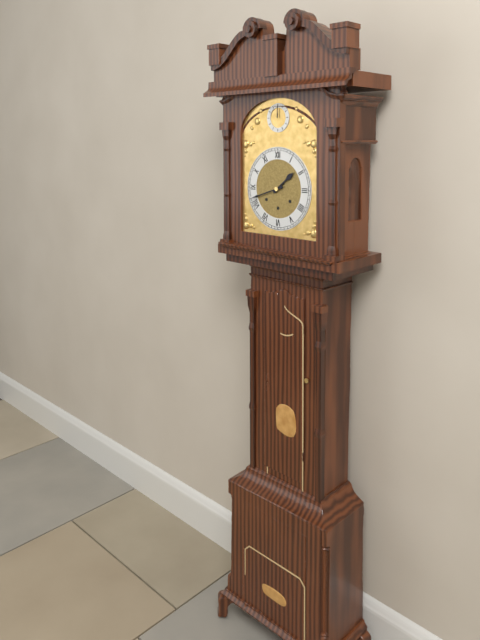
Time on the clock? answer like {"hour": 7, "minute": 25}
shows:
{"hour": 1, "minute": 42}
